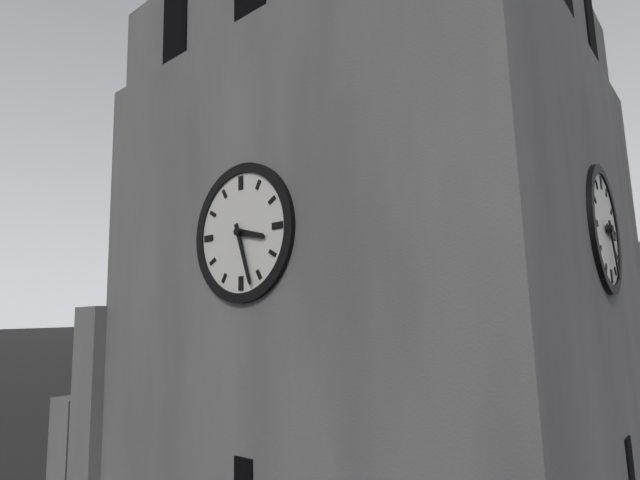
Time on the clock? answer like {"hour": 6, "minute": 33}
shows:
{"hour": 3, "minute": 27}
